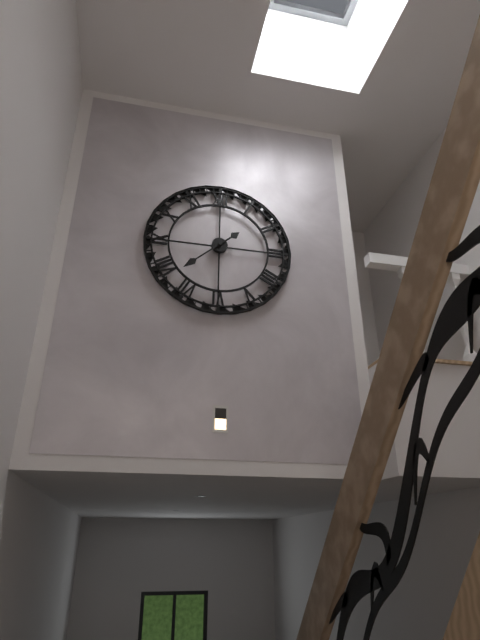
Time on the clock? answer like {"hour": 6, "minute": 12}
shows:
{"hour": 1, "minute": 38}
